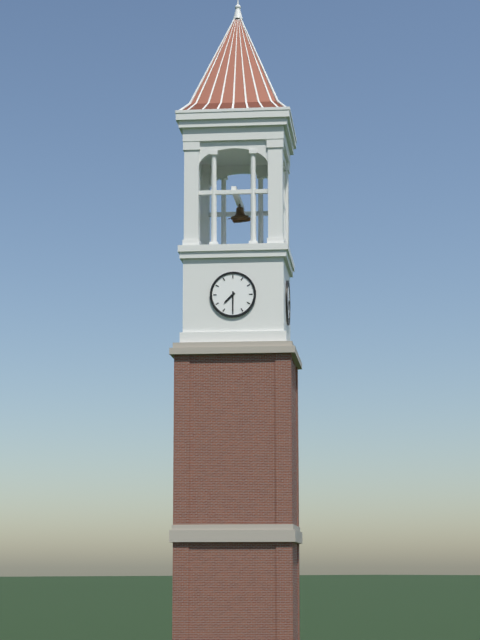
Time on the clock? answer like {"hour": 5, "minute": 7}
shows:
{"hour": 7, "minute": 30}
